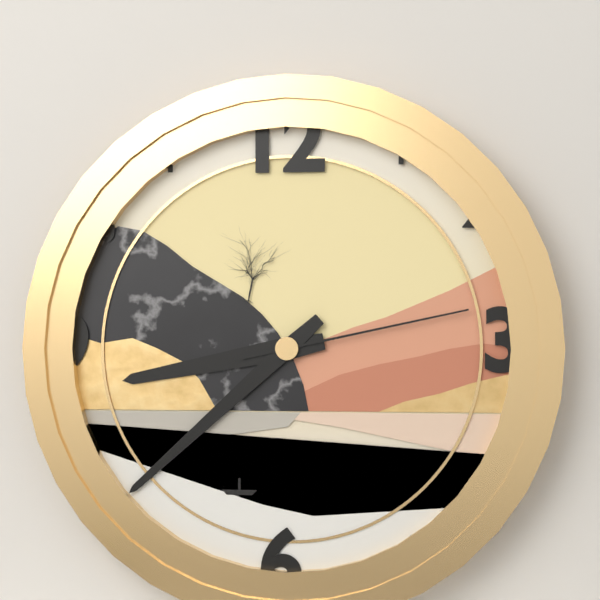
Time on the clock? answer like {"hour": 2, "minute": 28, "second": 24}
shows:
{"hour": 8, "minute": 38, "second": 13}
